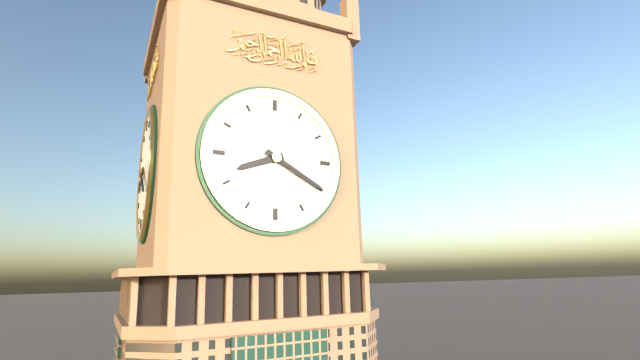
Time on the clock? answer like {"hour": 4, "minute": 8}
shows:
{"hour": 8, "minute": 20}
